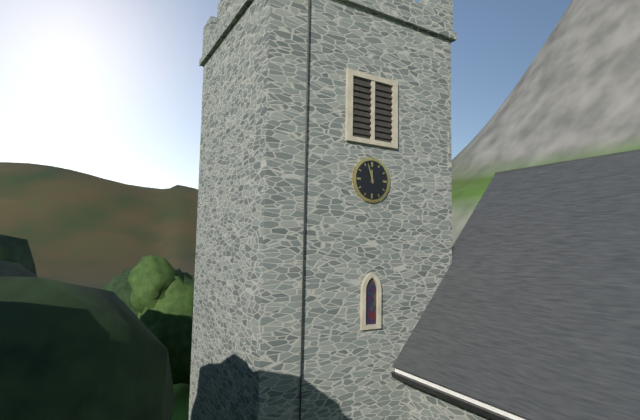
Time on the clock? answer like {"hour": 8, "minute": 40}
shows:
{"hour": 11, "minute": 57}
